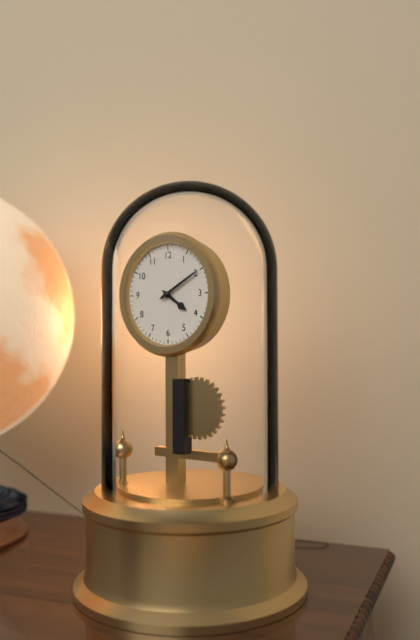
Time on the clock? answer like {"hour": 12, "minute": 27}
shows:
{"hour": 4, "minute": 10}
